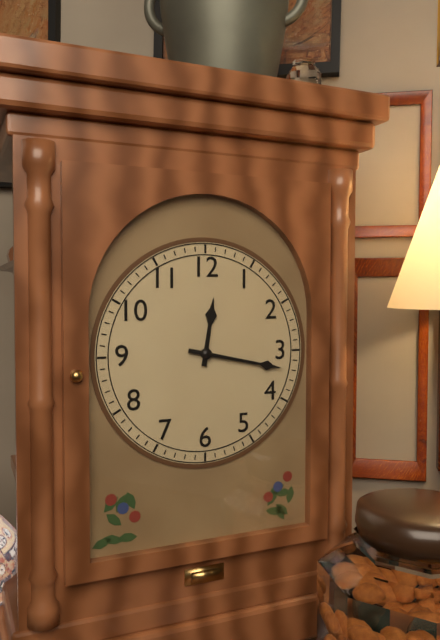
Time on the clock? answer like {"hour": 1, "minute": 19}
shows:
{"hour": 12, "minute": 17}
